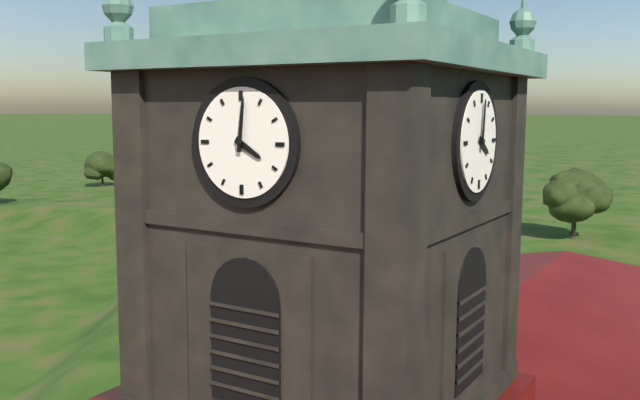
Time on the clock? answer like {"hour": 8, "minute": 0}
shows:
{"hour": 4, "minute": 1}
